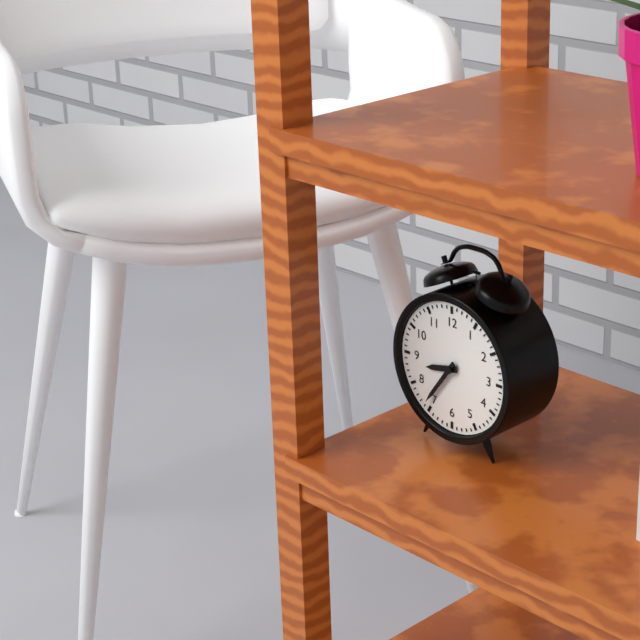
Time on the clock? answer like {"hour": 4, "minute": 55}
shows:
{"hour": 8, "minute": 36}
